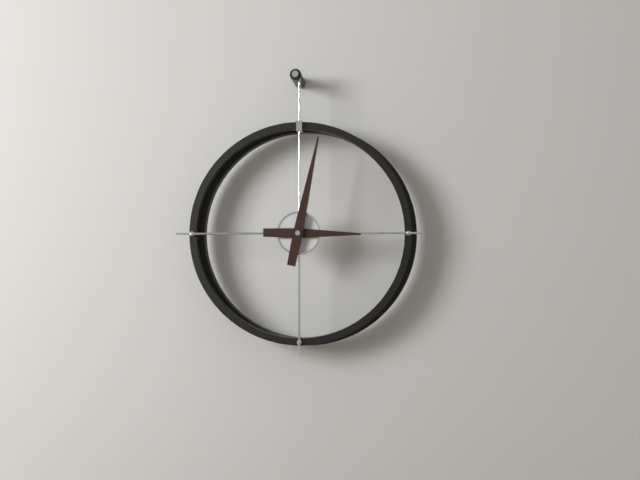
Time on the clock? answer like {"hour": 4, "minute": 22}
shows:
{"hour": 3, "minute": 2}
